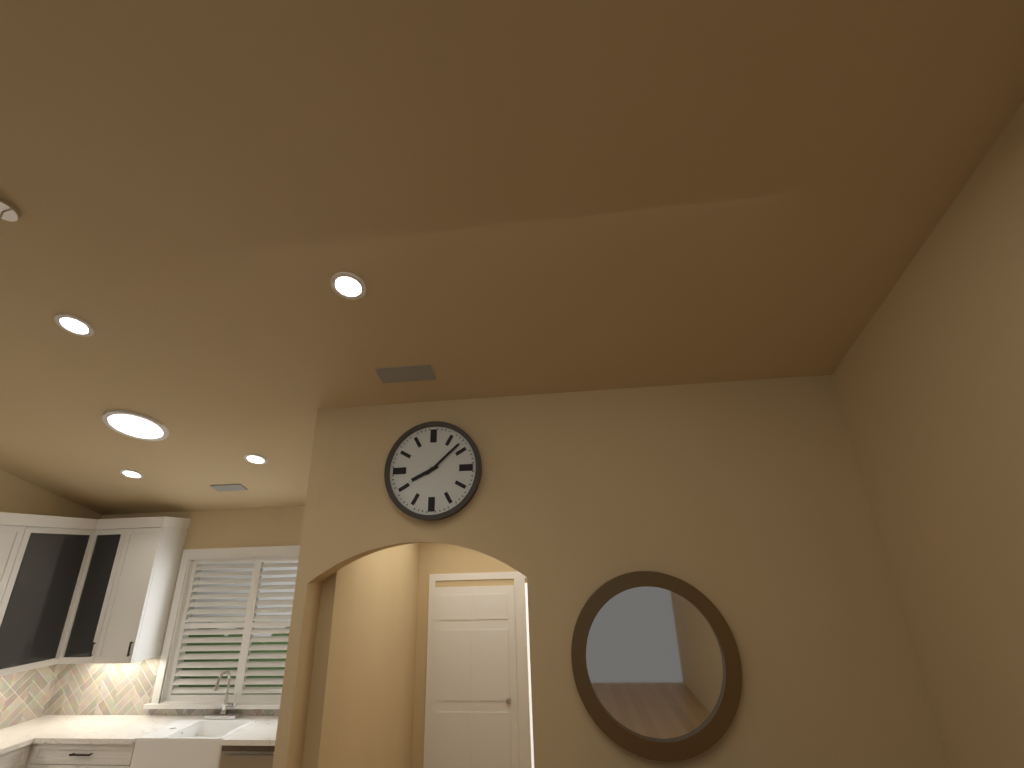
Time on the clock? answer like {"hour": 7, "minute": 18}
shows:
{"hour": 8, "minute": 8}
